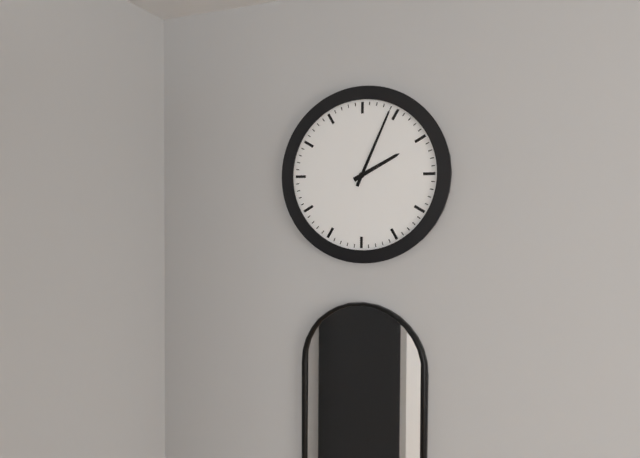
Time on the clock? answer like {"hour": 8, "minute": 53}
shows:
{"hour": 2, "minute": 4}
